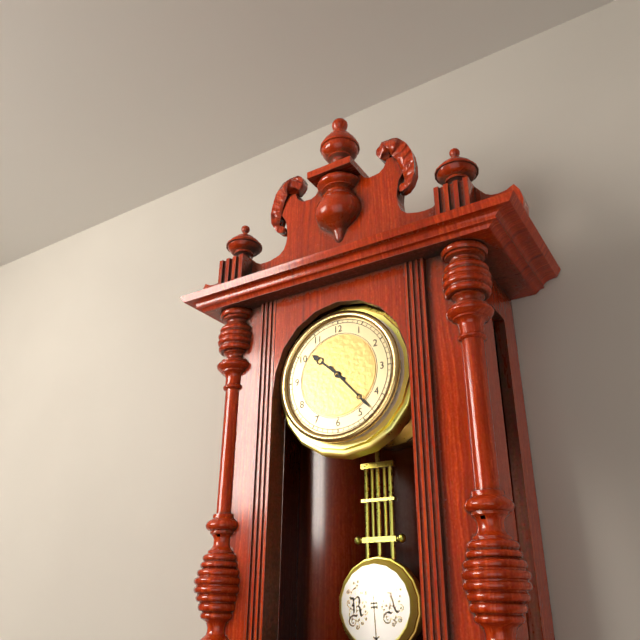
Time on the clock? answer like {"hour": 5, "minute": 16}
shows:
{"hour": 10, "minute": 23}
